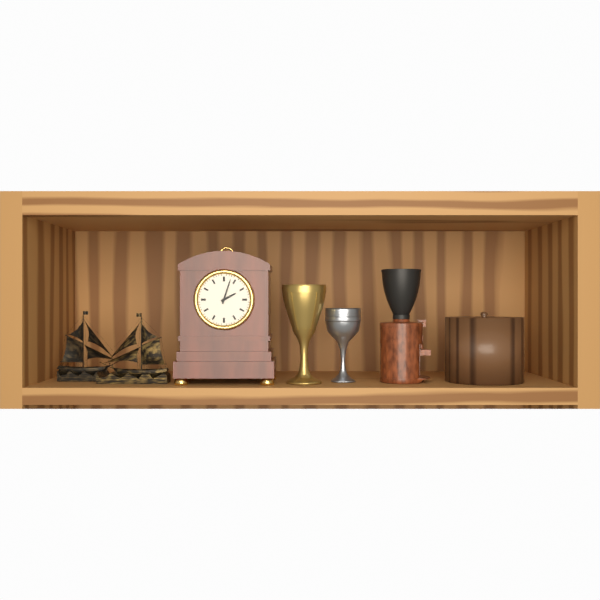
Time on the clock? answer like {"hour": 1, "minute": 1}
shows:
{"hour": 2, "minute": 3}
